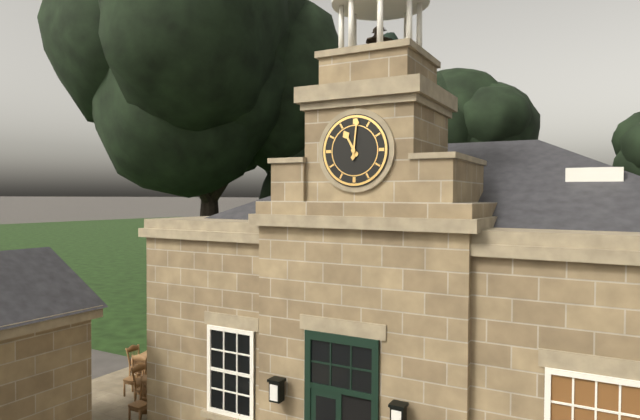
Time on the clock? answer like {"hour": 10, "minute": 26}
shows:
{"hour": 11, "minute": 1}
